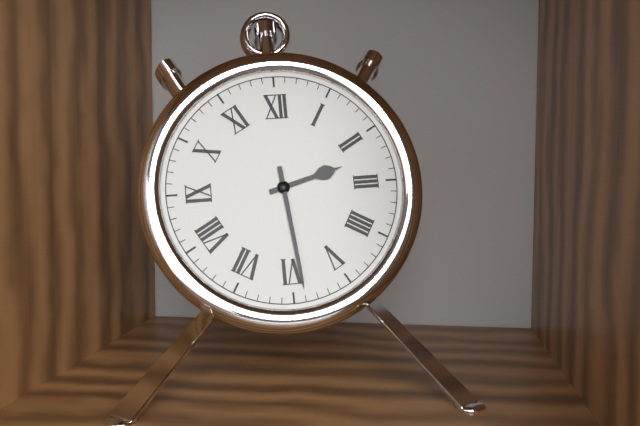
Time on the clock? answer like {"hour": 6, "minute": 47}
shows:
{"hour": 2, "minute": 29}
